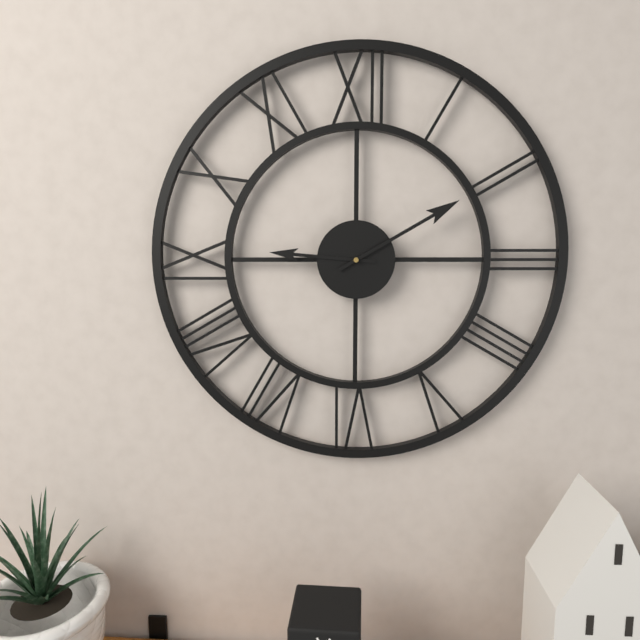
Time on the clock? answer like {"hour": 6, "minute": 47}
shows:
{"hour": 9, "minute": 10}
